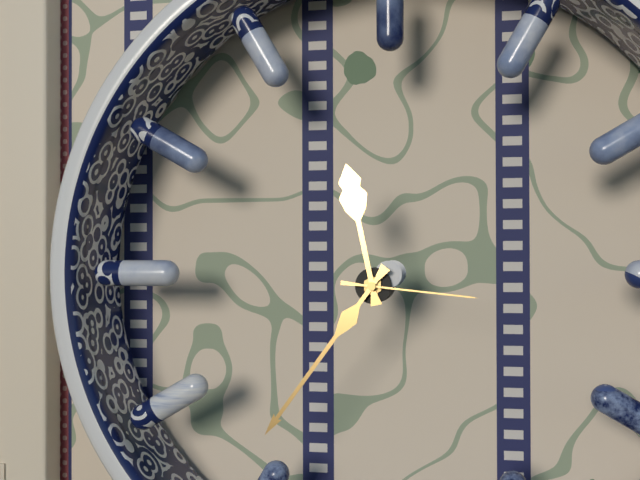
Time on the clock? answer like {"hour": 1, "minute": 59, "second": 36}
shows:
{"hour": 11, "minute": 36, "second": 16}
